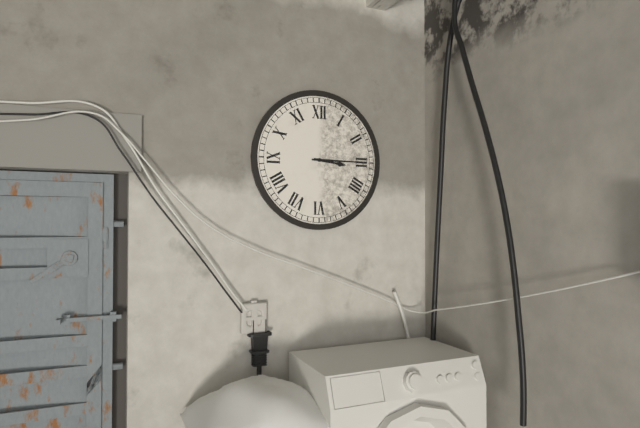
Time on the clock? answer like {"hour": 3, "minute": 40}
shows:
{"hour": 3, "minute": 15}
